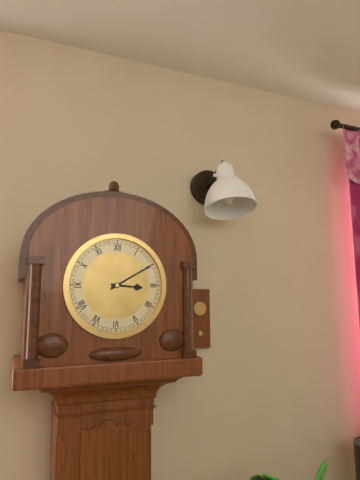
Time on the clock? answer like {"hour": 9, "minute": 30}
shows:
{"hour": 3, "minute": 10}
